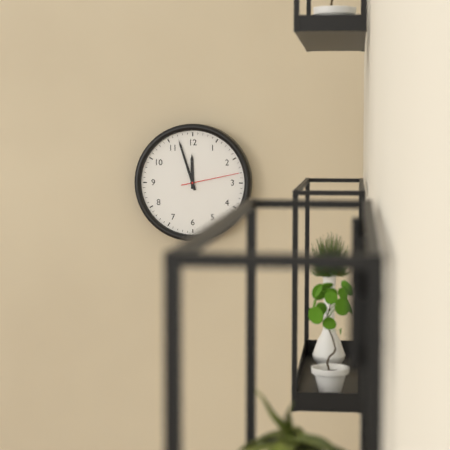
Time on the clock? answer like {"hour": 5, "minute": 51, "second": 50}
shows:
{"hour": 11, "minute": 57, "second": 13}
